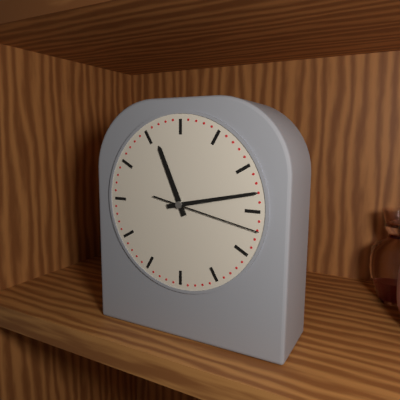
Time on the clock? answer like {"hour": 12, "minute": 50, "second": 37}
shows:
{"hour": 11, "minute": 13, "second": 17}
